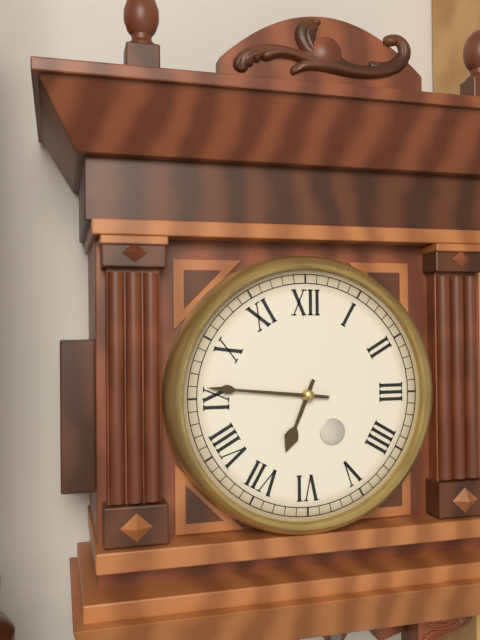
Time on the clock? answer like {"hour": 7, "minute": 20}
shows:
{"hour": 6, "minute": 46}
